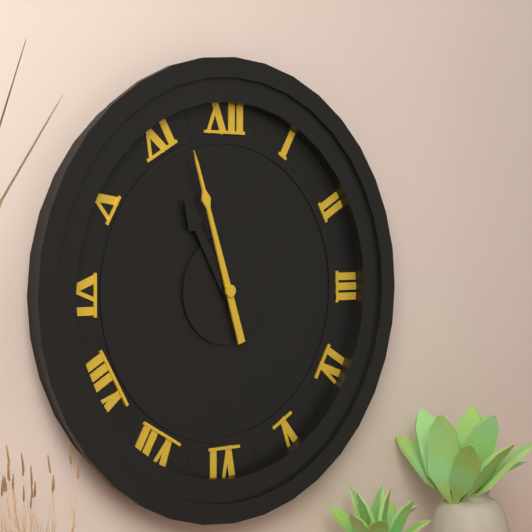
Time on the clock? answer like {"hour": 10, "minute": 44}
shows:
{"hour": 10, "minute": 57}
